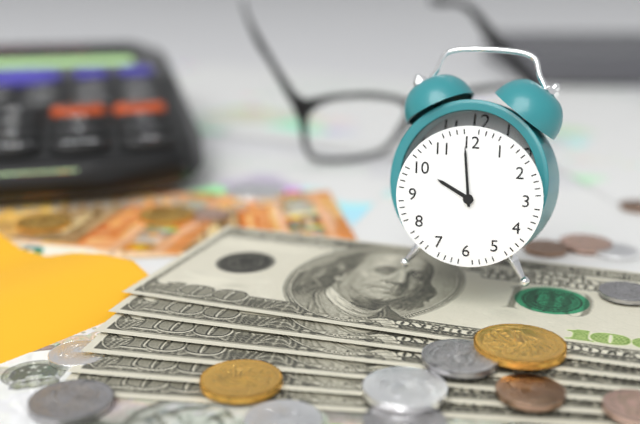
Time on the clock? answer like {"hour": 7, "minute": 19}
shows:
{"hour": 9, "minute": 59}
